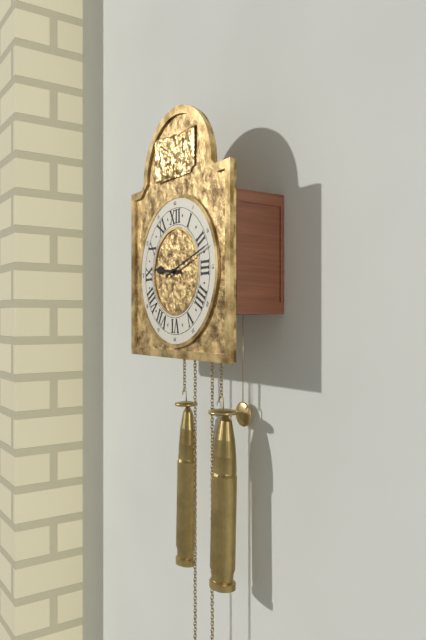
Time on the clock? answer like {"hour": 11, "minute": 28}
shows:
{"hour": 9, "minute": 12}
